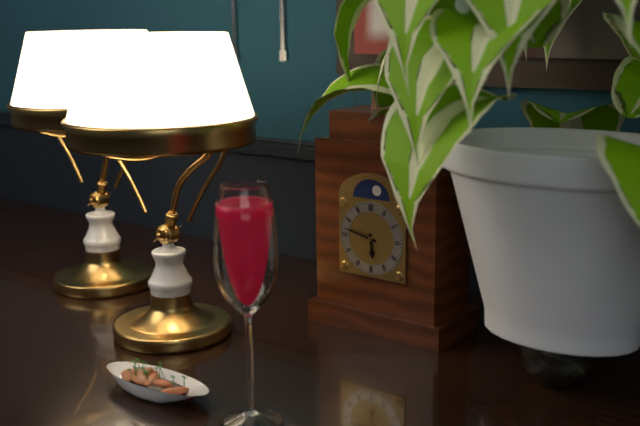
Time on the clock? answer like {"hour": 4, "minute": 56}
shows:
{"hour": 5, "minute": 47}
